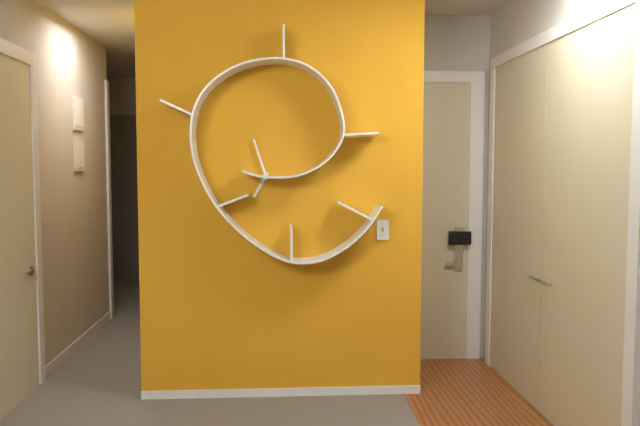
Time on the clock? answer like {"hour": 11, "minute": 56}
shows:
{"hour": 6, "minute": 57}
